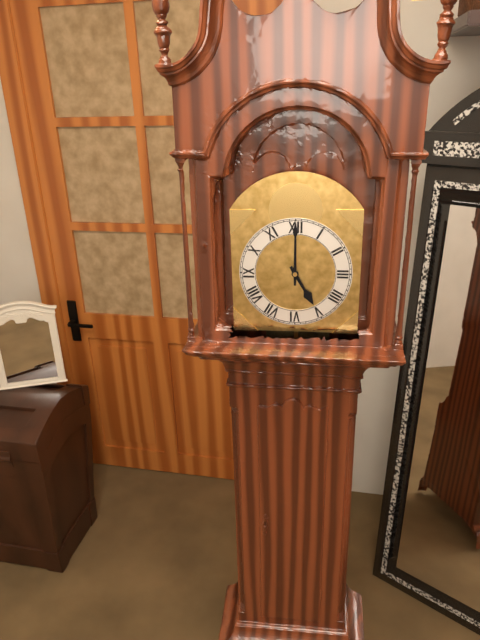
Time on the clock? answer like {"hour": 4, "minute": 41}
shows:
{"hour": 5, "minute": 0}
